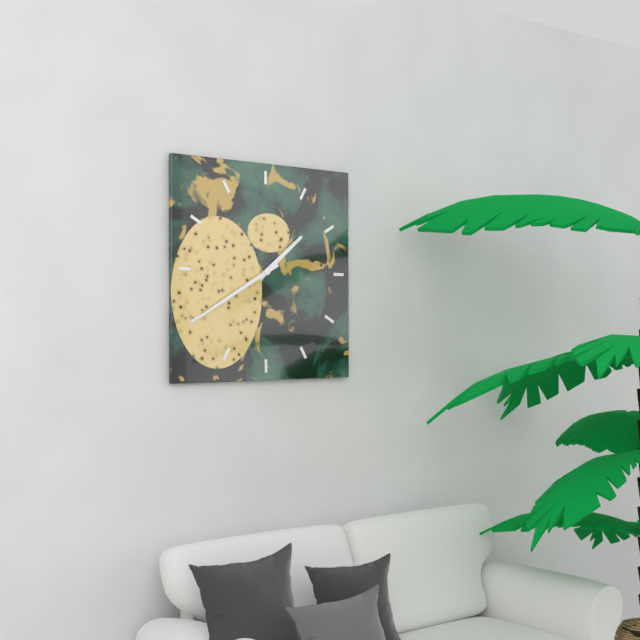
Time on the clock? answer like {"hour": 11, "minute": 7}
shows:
{"hour": 1, "minute": 40}
